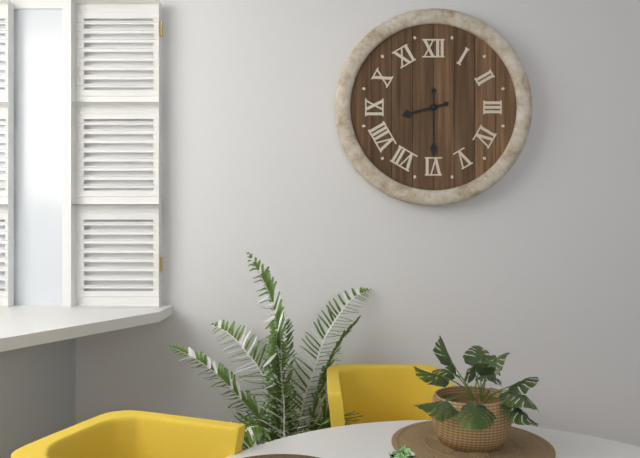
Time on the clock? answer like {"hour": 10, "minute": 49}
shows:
{"hour": 8, "minute": 30}
